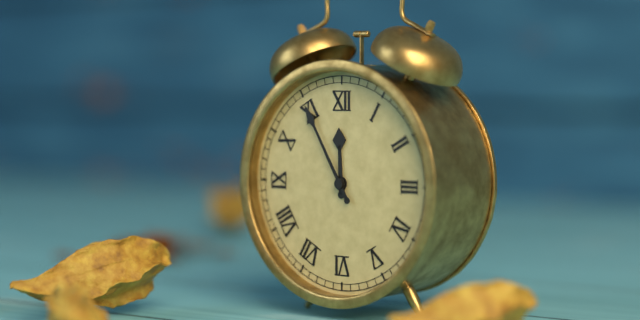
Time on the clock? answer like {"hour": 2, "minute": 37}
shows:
{"hour": 11, "minute": 55}
